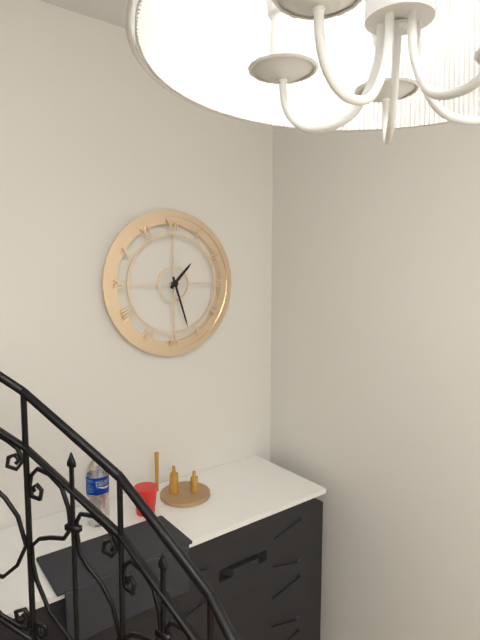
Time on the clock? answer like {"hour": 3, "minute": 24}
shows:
{"hour": 1, "minute": 27}
